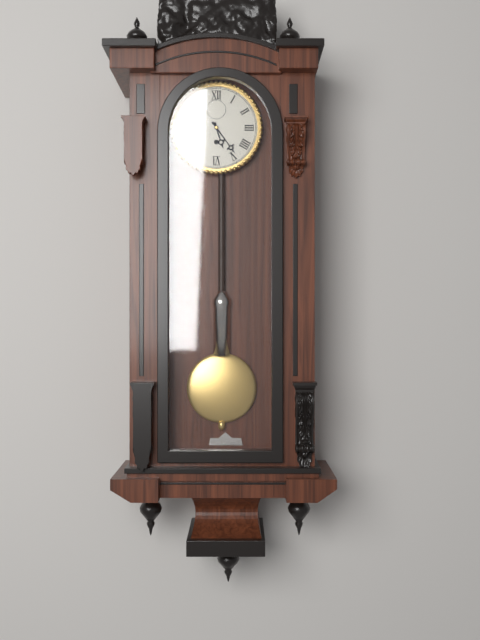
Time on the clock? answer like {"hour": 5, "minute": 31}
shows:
{"hour": 5, "minute": 24}
